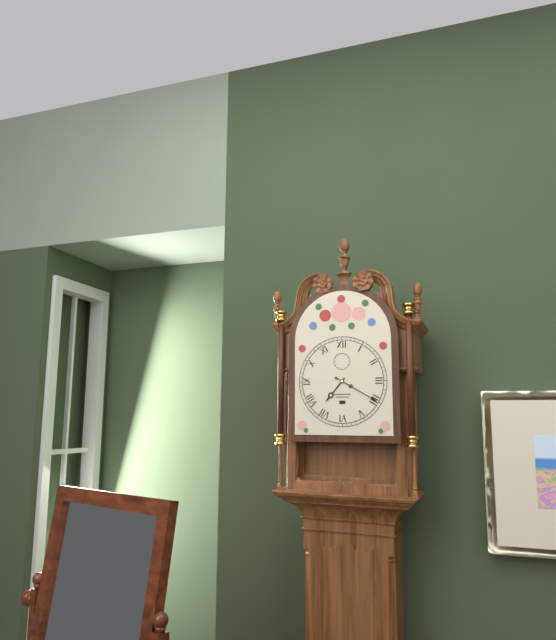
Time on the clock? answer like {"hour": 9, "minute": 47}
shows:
{"hour": 7, "minute": 20}
